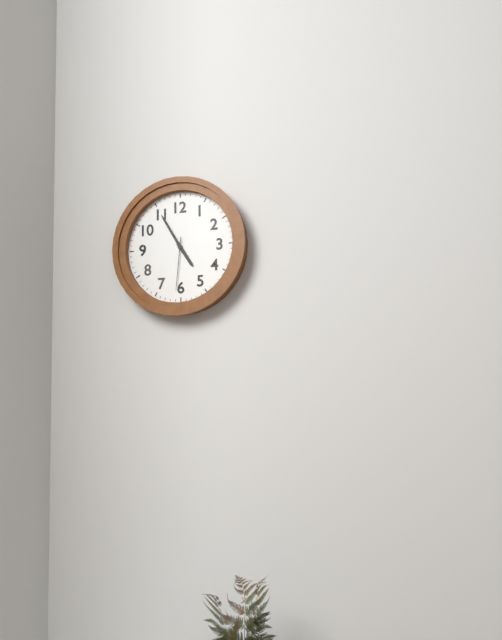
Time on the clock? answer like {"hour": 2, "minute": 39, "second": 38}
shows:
{"hour": 4, "minute": 55, "second": 31}
